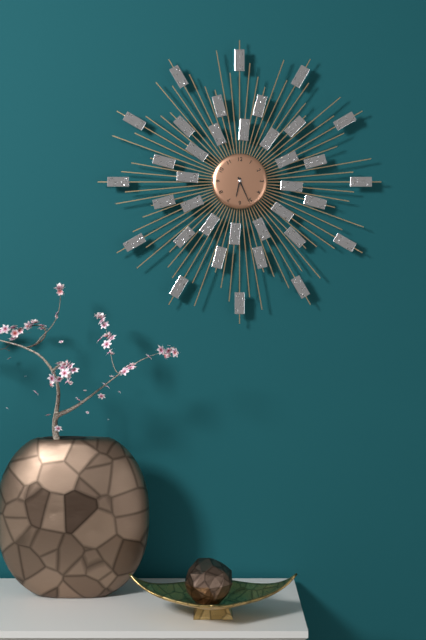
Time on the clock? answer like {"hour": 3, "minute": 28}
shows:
{"hour": 6, "minute": 26}
